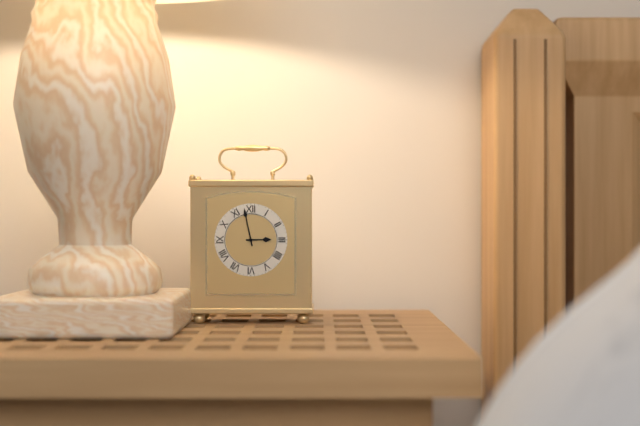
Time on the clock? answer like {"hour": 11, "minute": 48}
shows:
{"hour": 2, "minute": 58}
